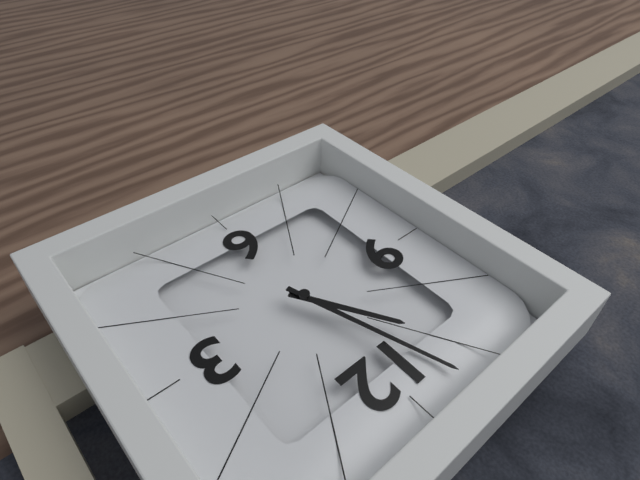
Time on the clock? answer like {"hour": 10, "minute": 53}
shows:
{"hour": 10, "minute": 57}
